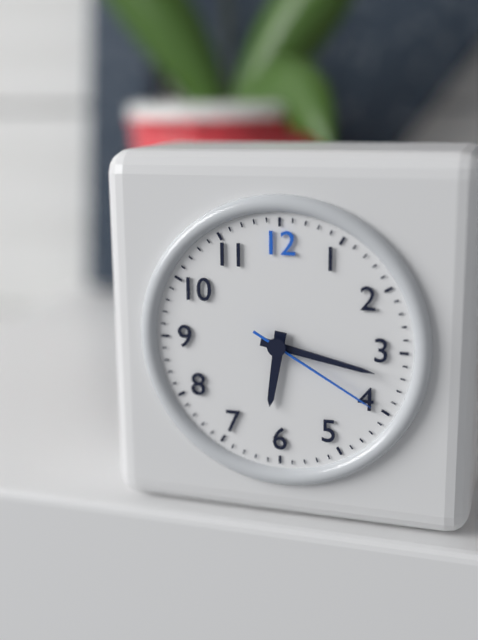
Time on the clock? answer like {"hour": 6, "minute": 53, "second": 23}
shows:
{"hour": 6, "minute": 17, "second": 20}
